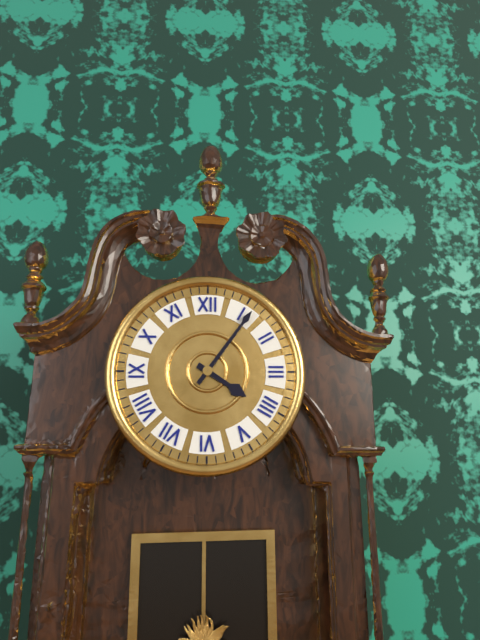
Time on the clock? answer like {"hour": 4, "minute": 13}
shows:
{"hour": 4, "minute": 6}
